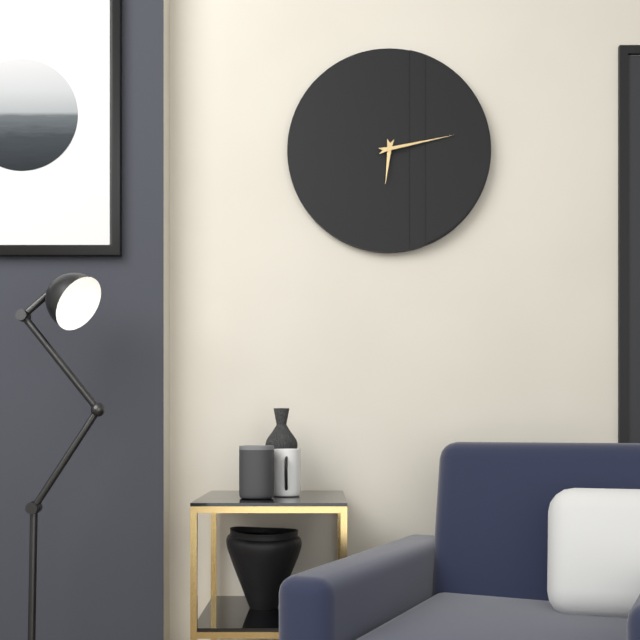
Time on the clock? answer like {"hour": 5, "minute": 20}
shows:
{"hour": 6, "minute": 13}
